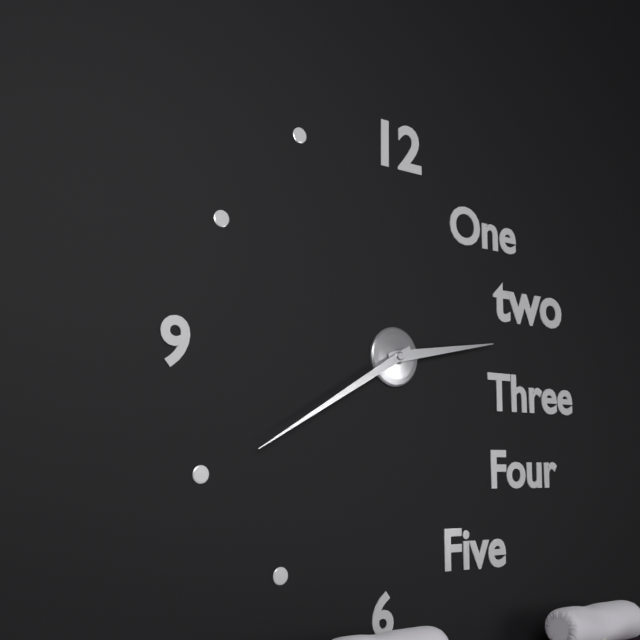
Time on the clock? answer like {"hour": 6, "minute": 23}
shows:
{"hour": 2, "minute": 40}
